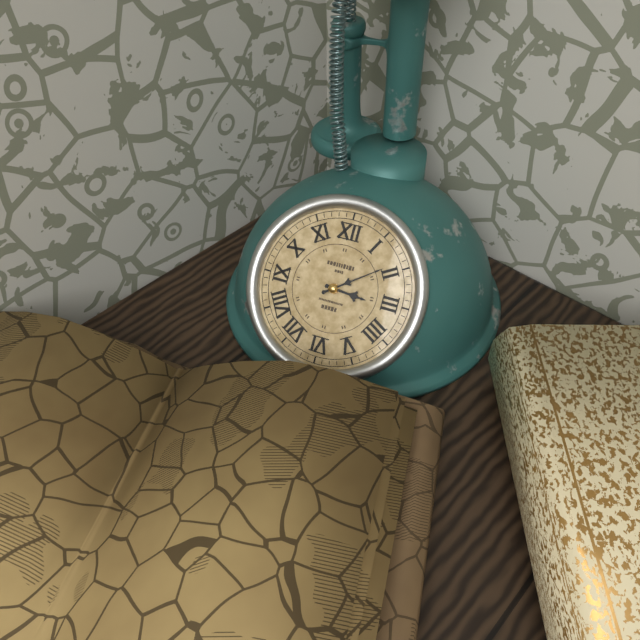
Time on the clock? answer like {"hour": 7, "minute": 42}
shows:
{"hour": 3, "minute": 9}
